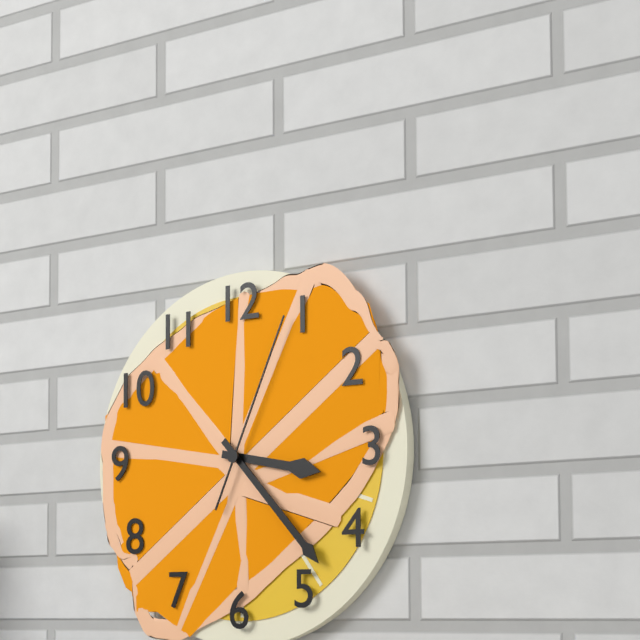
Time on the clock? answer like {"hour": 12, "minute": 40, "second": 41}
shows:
{"hour": 3, "minute": 23, "second": 4}
